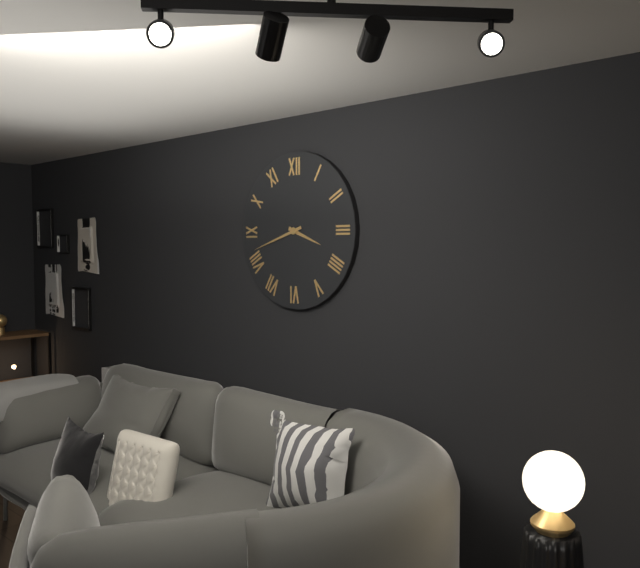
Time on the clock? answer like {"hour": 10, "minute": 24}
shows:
{"hour": 3, "minute": 42}
